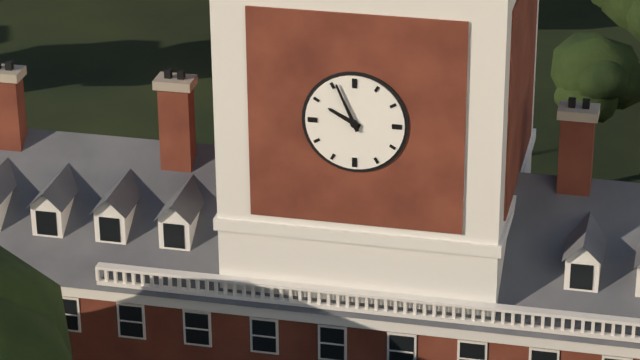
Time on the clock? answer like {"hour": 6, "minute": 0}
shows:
{"hour": 9, "minute": 56}
